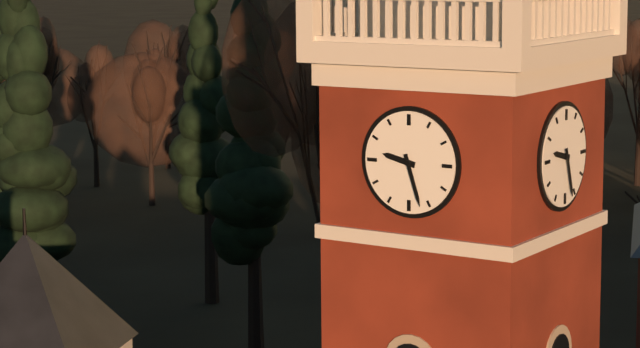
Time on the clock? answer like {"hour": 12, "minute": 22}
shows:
{"hour": 9, "minute": 27}
